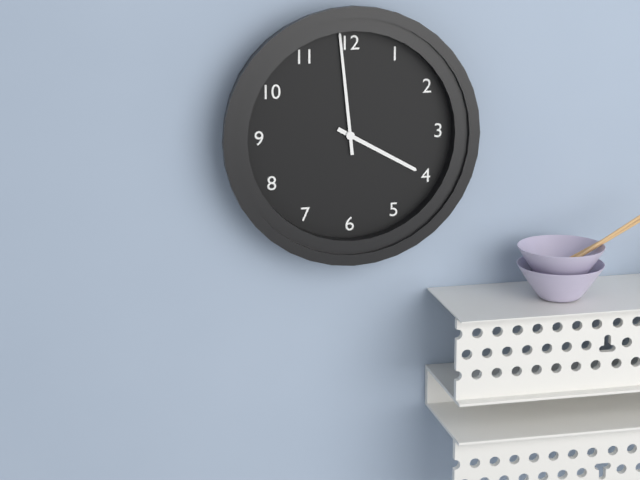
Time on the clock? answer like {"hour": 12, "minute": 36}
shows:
{"hour": 3, "minute": 59}
